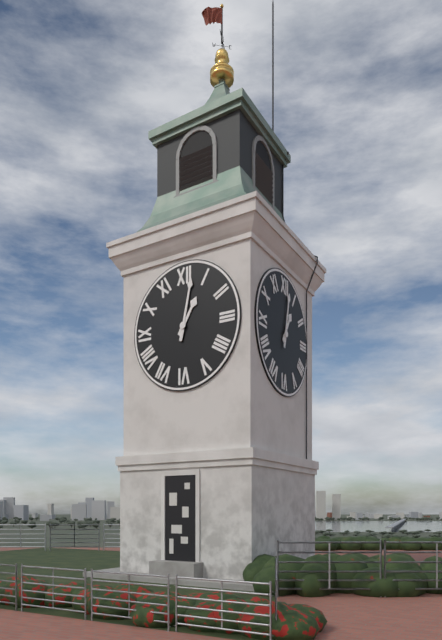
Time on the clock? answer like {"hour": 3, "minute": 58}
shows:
{"hour": 1, "minute": 2}
